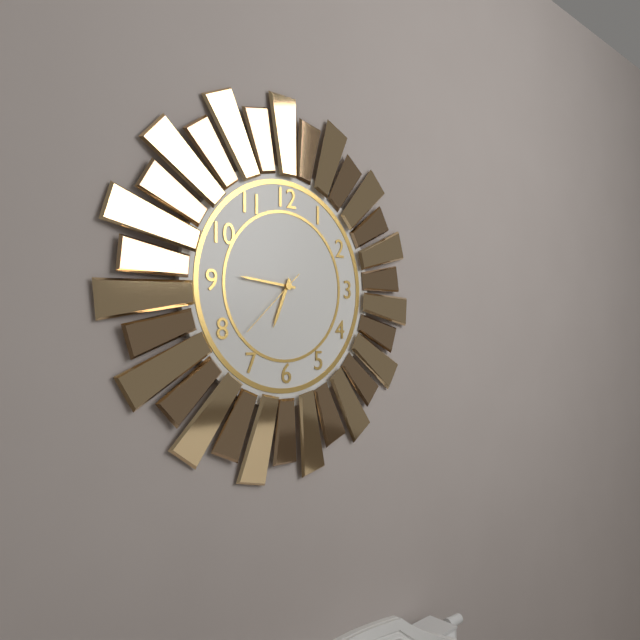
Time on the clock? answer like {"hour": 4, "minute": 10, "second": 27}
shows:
{"hour": 6, "minute": 46, "second": 38}
